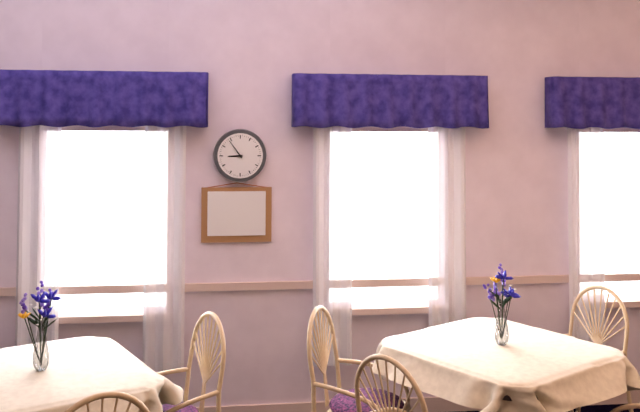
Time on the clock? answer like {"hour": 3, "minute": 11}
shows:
{"hour": 8, "minute": 54}
